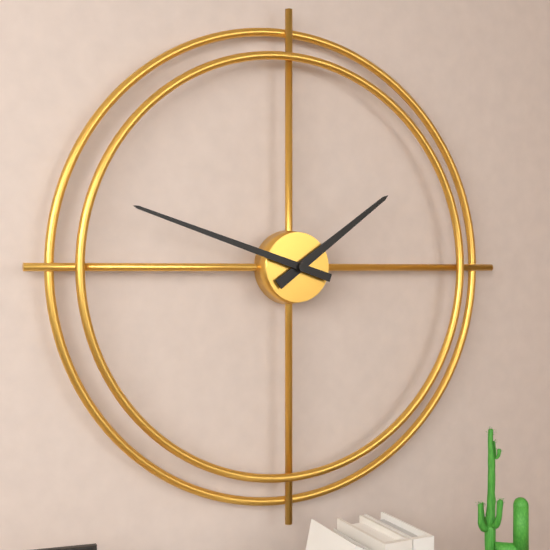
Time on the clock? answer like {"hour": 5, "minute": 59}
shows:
{"hour": 1, "minute": 48}
